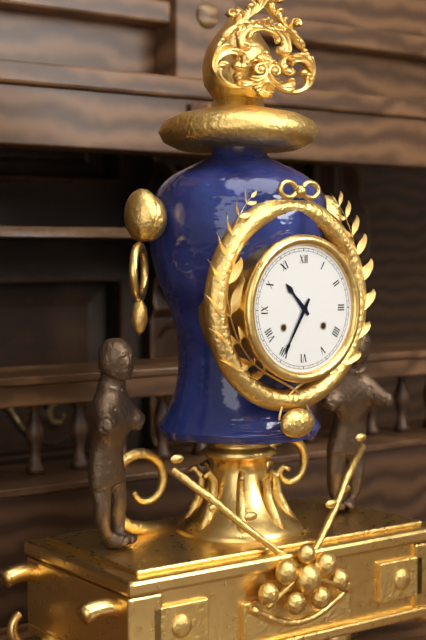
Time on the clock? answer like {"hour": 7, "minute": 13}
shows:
{"hour": 10, "minute": 35}
